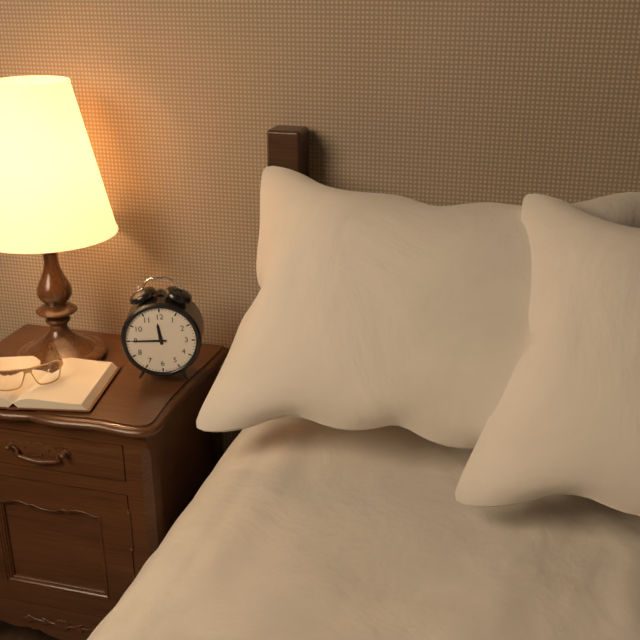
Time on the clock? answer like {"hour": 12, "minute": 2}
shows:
{"hour": 11, "minute": 45}
